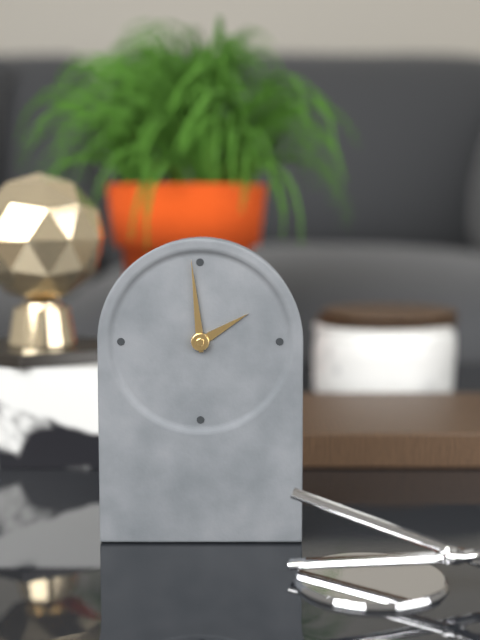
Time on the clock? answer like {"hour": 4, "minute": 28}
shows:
{"hour": 1, "minute": 59}
